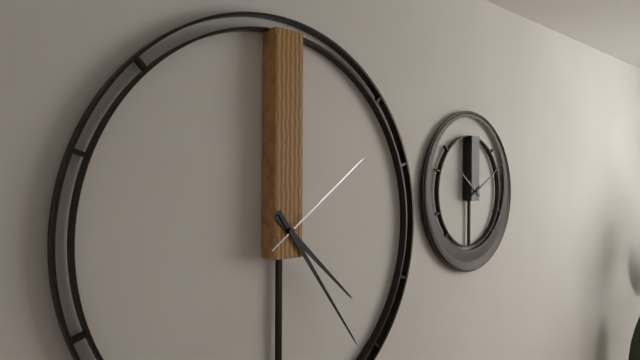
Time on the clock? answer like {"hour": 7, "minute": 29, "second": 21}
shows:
{"hour": 4, "minute": 24, "second": 9}
